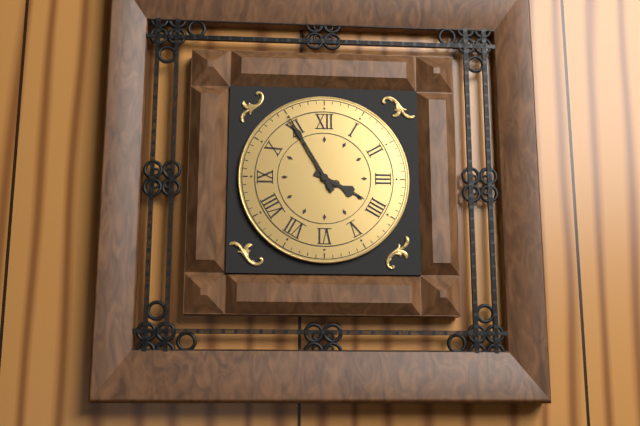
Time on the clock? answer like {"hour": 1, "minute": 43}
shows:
{"hour": 3, "minute": 55}
